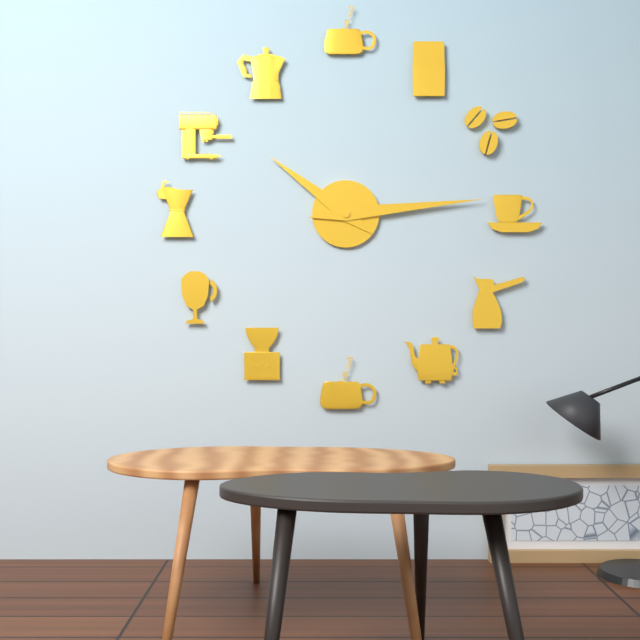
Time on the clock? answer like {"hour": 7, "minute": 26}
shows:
{"hour": 10, "minute": 14}
